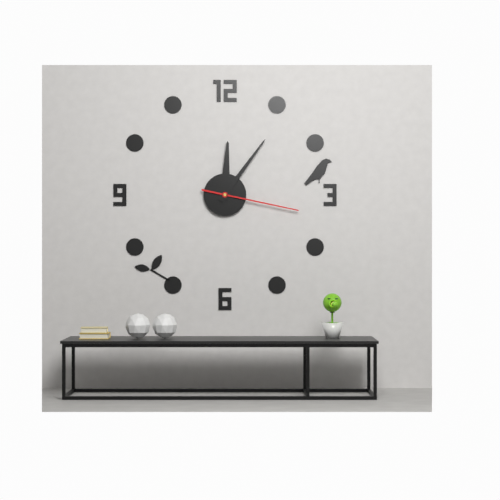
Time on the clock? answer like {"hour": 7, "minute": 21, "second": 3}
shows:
{"hour": 12, "minute": 6, "second": 17}
